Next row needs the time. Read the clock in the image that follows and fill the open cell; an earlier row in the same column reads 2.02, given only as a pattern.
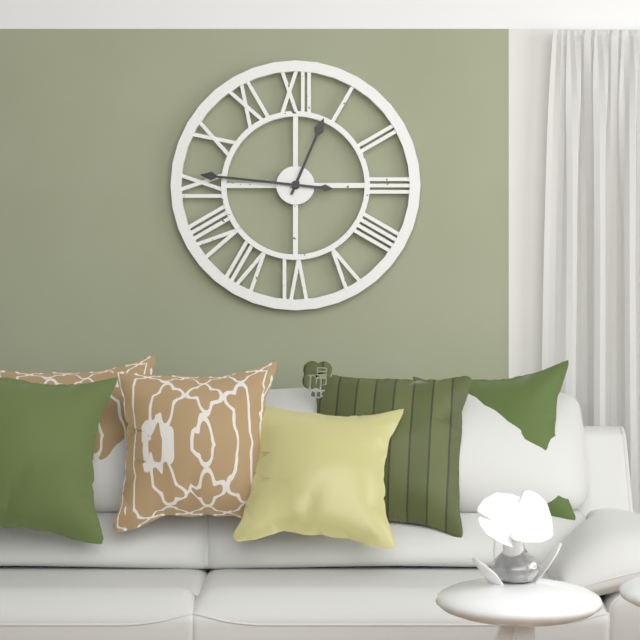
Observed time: 12.46
